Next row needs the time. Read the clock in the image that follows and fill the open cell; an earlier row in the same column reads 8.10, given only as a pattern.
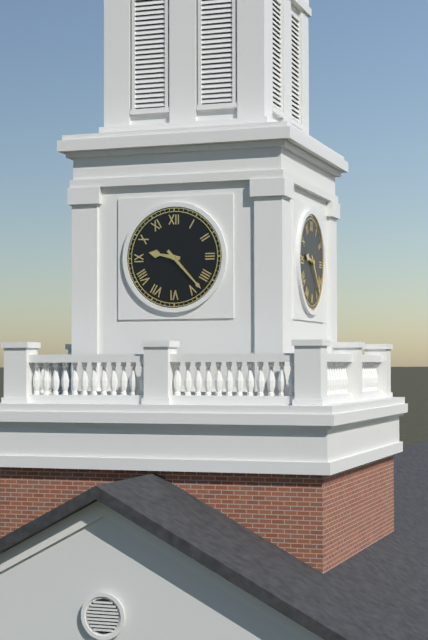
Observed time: 9.23
